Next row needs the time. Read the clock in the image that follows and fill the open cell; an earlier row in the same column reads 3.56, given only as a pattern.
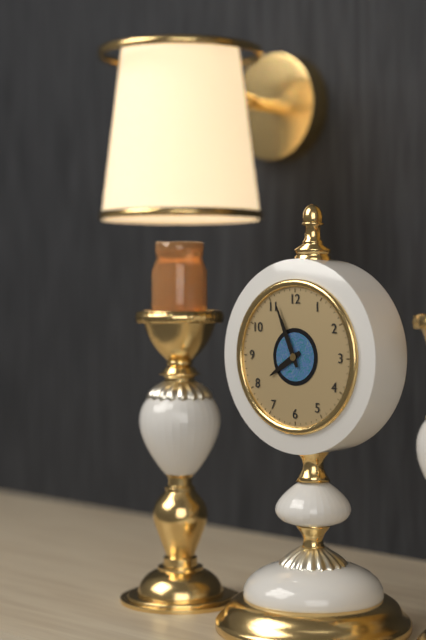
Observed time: 7.56
